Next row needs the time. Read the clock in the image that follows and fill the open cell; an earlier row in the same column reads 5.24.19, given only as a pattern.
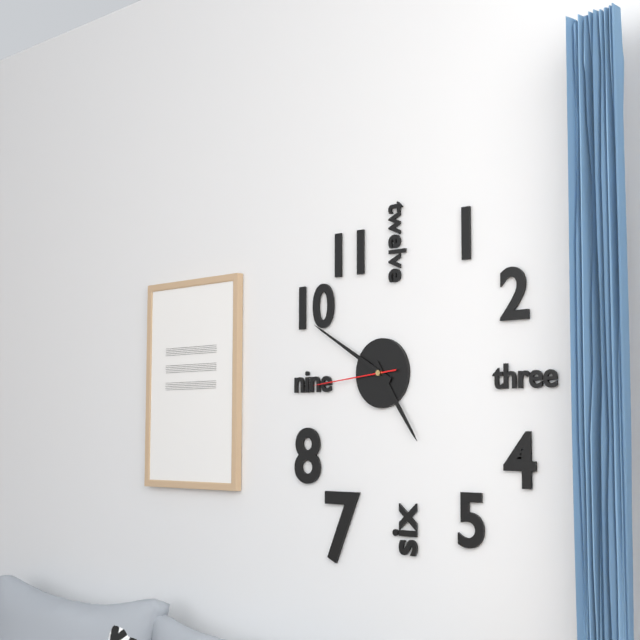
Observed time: 4.50.44
